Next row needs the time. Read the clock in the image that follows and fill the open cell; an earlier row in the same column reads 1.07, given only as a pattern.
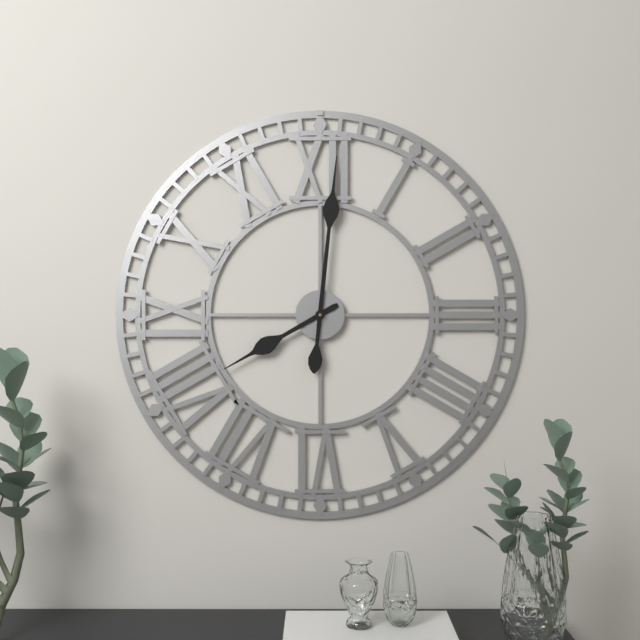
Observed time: 8.01
